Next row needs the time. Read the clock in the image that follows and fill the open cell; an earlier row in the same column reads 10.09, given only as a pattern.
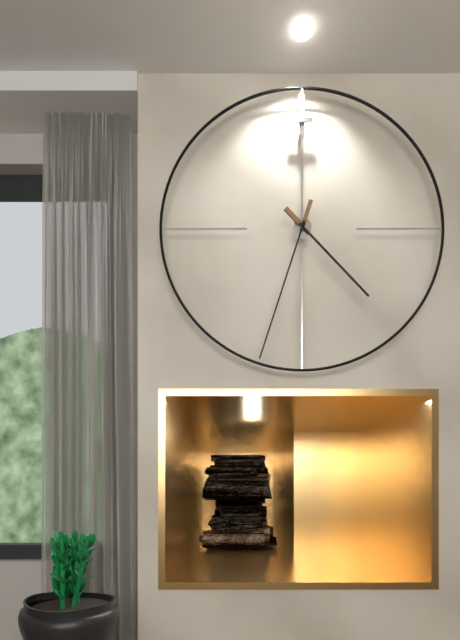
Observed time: 4.33
